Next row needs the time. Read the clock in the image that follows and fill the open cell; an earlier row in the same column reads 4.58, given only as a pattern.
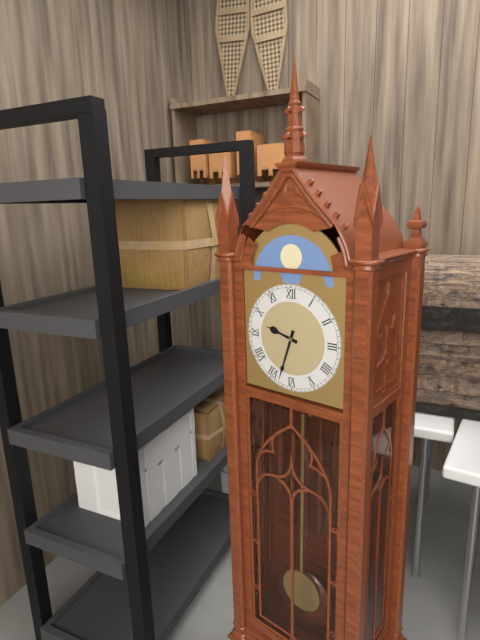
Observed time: 9.33
